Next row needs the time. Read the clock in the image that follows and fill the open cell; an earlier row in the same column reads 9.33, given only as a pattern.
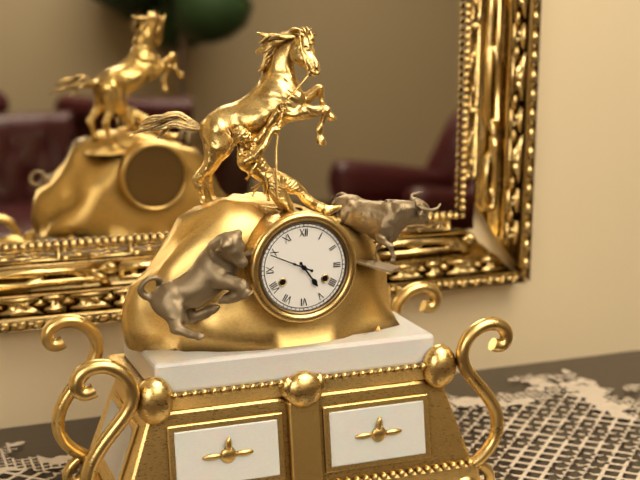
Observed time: 4.49
